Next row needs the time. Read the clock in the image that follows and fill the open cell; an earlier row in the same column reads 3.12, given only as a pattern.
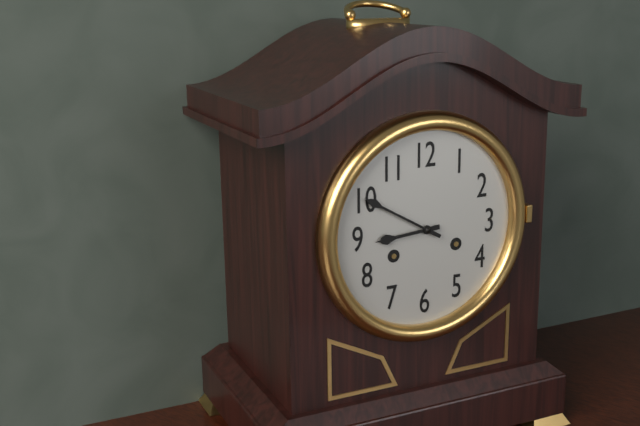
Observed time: 8.50
